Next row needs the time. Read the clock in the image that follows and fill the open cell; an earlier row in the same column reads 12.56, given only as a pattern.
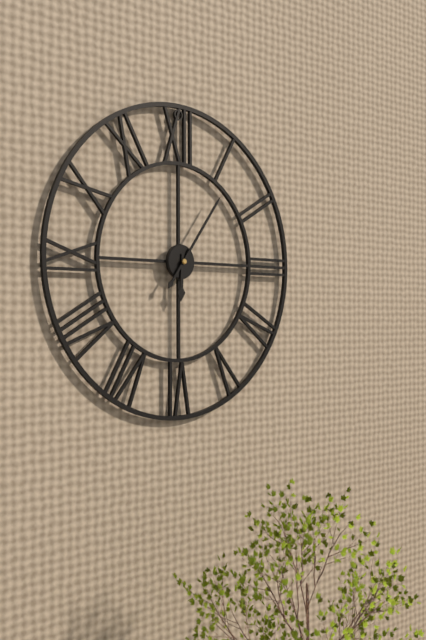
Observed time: 6.06
